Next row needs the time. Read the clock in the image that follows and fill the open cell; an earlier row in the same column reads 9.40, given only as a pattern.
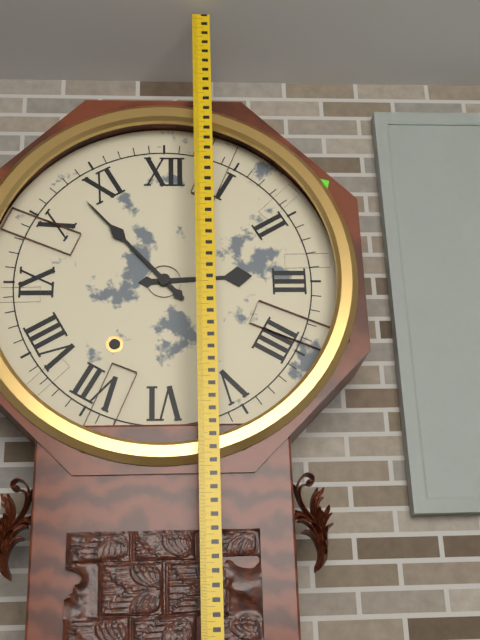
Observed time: 2.53
